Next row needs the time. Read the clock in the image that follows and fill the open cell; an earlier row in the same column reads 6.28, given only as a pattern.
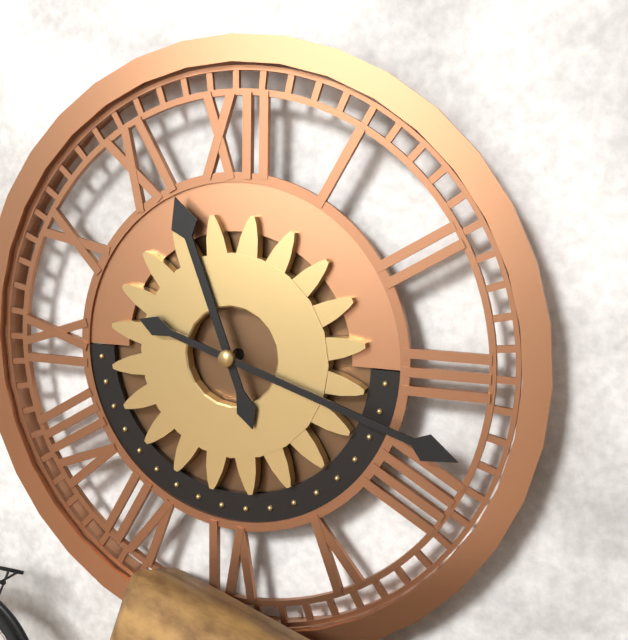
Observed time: 11.18
